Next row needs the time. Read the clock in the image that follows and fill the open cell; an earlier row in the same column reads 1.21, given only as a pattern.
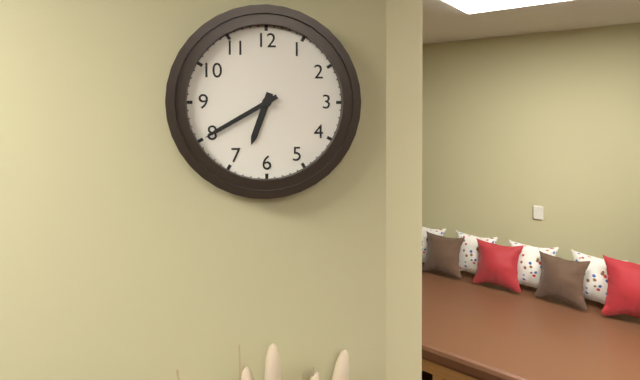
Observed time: 6.40
